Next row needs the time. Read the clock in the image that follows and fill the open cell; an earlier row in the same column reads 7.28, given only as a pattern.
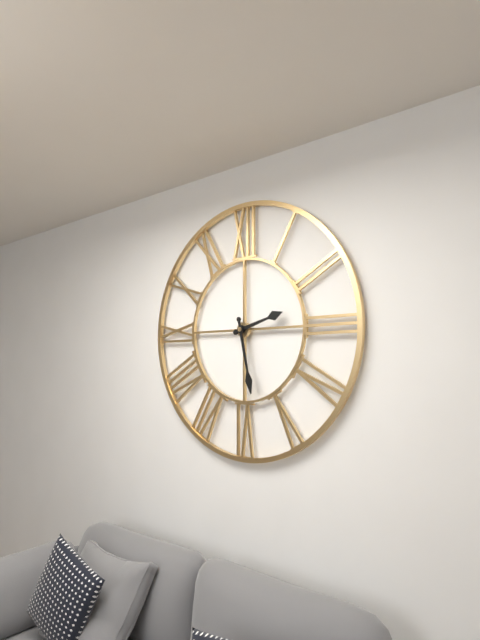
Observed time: 2.28
